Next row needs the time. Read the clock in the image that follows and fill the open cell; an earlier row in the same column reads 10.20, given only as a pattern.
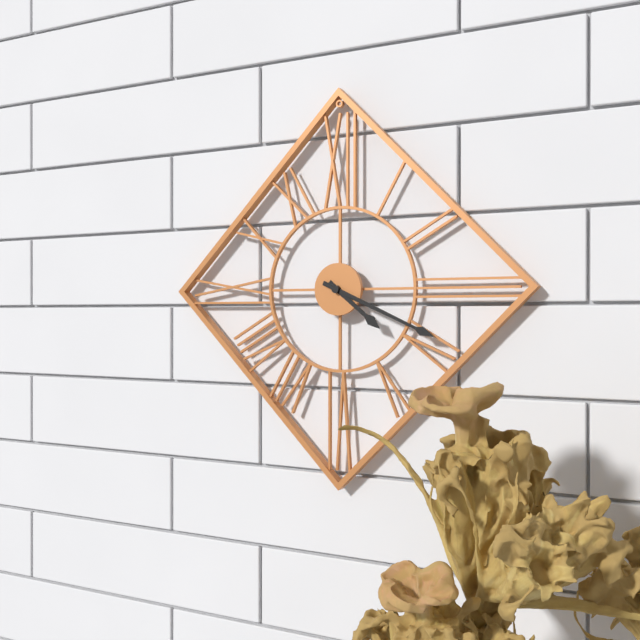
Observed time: 4.19
